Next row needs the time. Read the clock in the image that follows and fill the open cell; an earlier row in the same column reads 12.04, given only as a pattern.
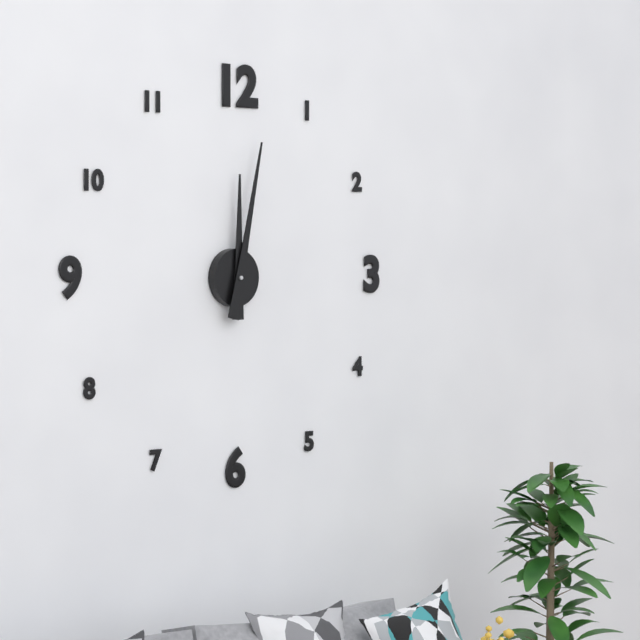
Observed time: 12.02
